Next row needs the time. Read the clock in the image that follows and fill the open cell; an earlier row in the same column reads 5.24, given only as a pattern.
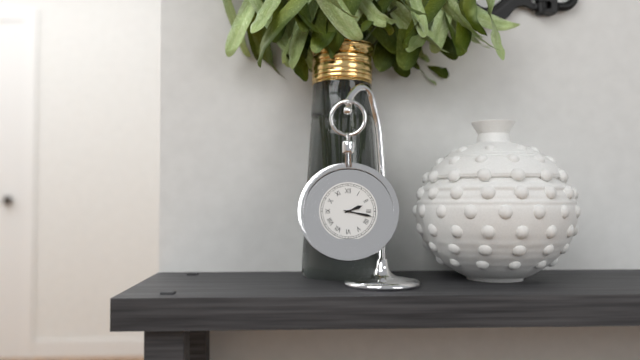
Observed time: 2.17
